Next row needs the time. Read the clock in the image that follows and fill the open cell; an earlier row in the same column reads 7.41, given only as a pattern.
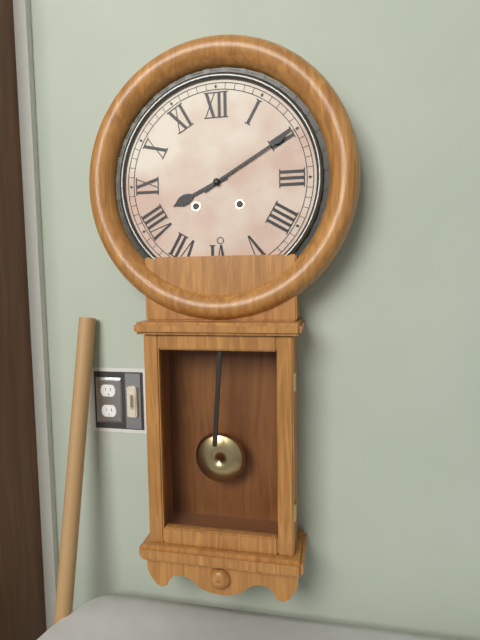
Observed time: 8.10
